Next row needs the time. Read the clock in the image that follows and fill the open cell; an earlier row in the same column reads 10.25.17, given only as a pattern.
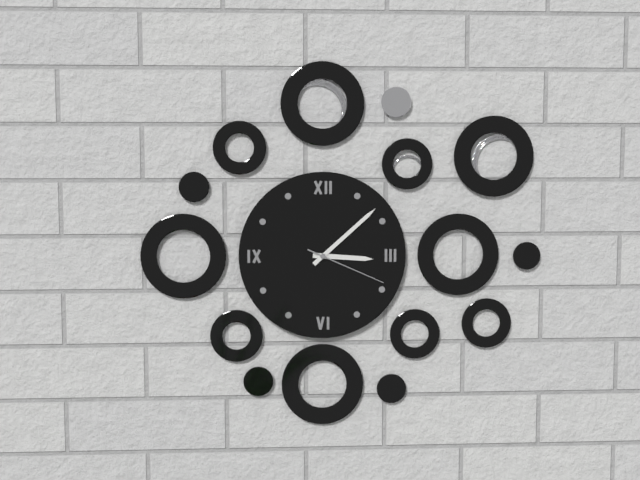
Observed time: 3.08.19
